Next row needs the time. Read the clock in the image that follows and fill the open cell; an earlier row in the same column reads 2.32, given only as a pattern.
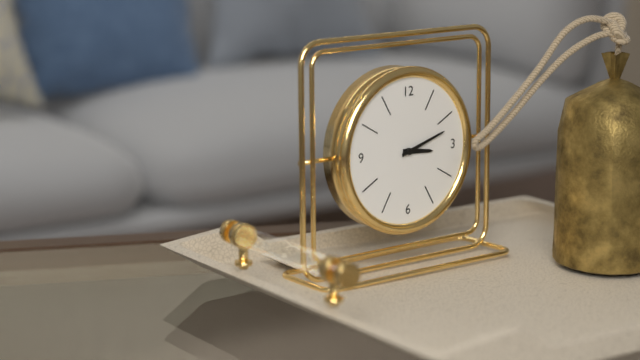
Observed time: 3.12
